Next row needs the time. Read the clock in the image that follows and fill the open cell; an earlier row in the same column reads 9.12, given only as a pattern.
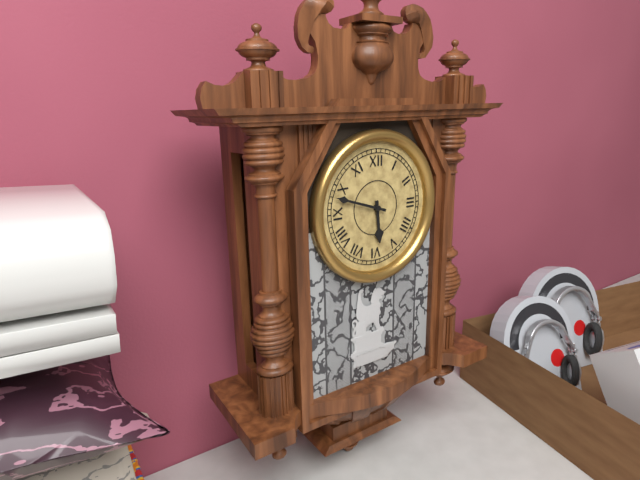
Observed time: 5.48
